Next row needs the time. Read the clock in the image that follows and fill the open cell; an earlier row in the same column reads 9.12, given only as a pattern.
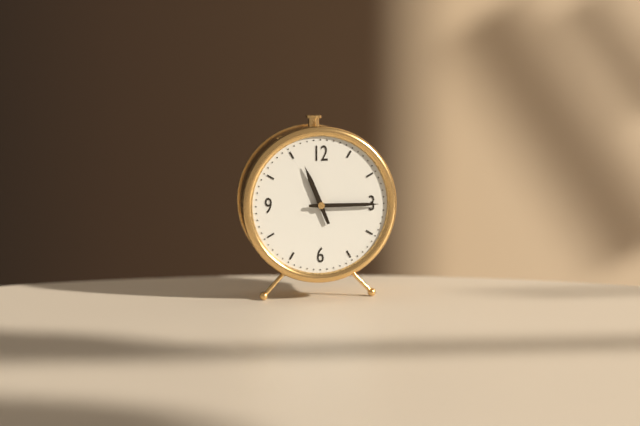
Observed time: 11.15
